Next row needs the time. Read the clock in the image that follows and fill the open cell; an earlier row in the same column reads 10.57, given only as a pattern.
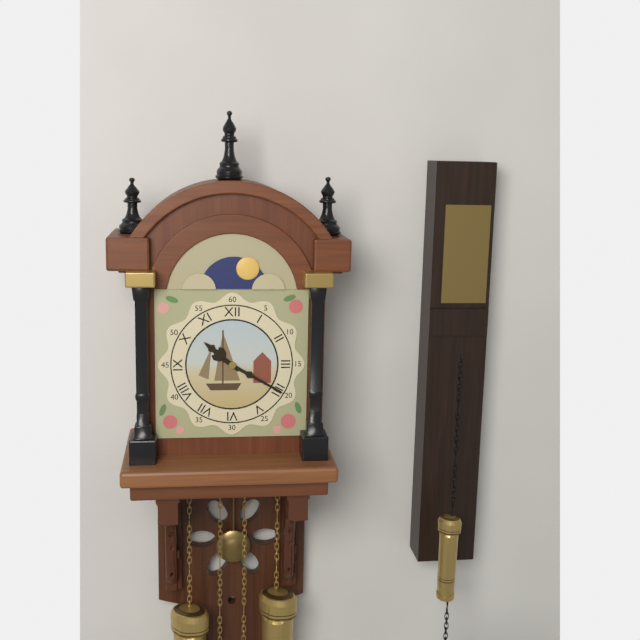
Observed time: 10.20
